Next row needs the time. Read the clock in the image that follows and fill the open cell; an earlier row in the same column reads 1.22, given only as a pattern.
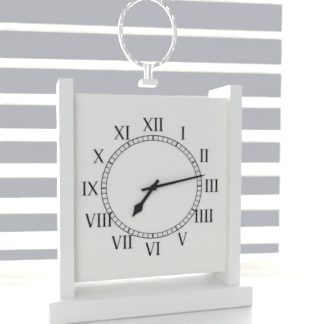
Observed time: 7.13
